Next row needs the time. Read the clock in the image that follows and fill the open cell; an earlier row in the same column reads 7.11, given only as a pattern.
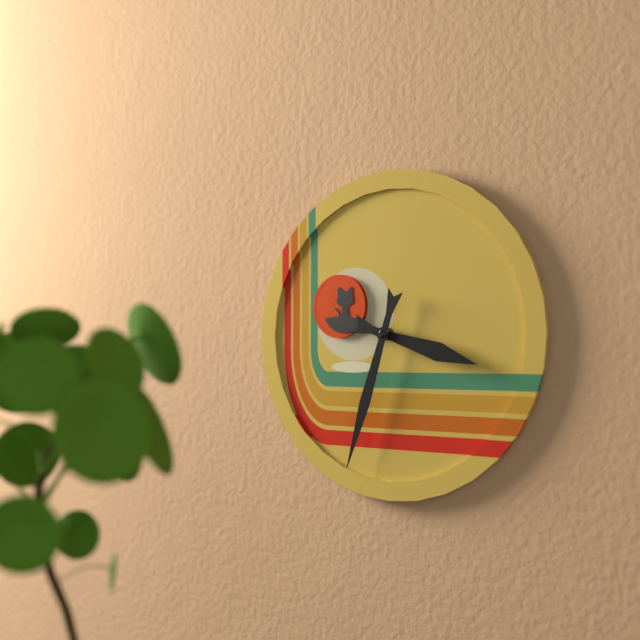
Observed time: 3.33
